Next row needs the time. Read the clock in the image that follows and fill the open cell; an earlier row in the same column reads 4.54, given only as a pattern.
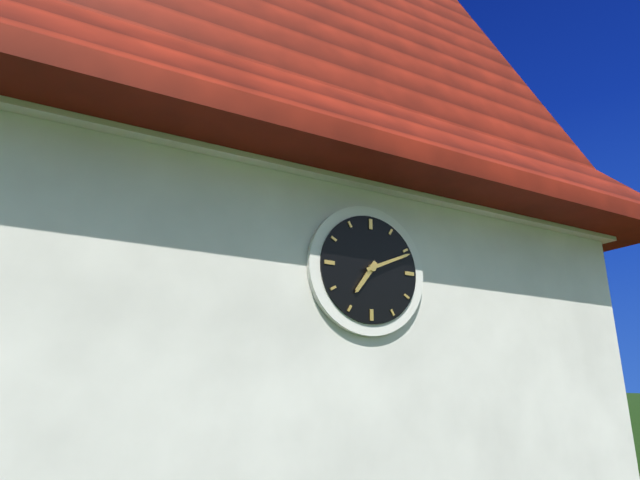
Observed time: 7.11
